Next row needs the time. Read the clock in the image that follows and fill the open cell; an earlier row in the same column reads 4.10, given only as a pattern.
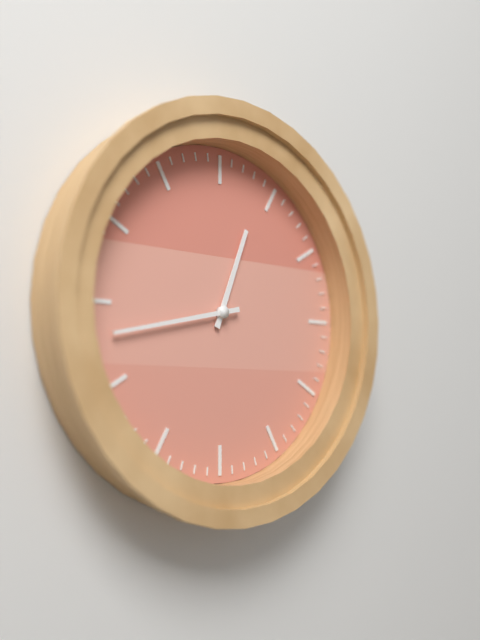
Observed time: 12.43
